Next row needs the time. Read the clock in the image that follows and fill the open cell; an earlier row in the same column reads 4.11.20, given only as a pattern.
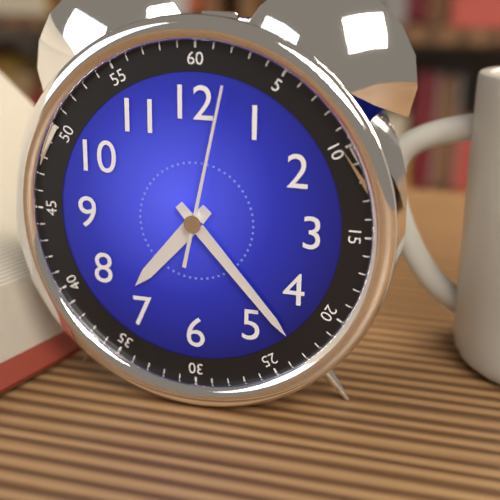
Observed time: 7.23.02
